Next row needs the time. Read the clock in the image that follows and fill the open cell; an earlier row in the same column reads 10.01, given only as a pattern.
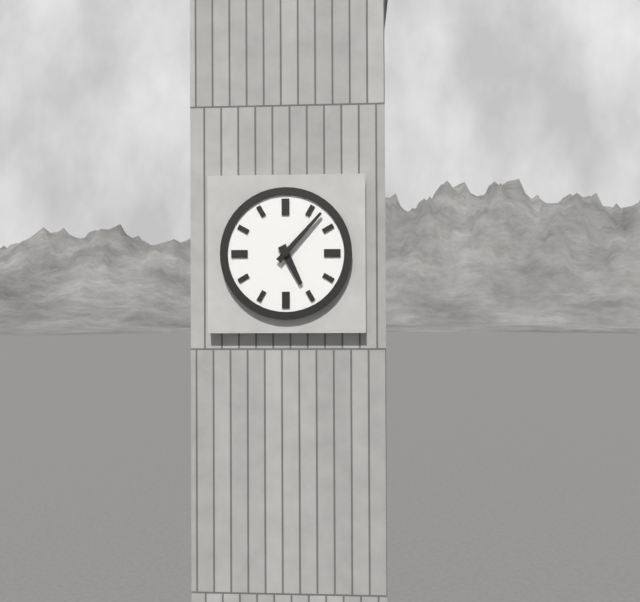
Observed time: 5.07
